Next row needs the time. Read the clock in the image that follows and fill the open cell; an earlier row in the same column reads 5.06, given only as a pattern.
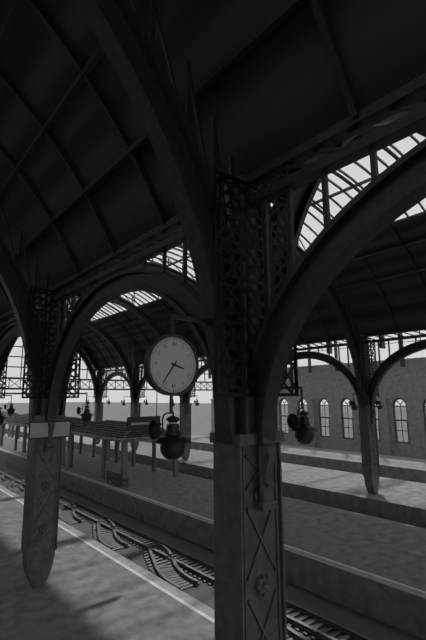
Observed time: 3.36
